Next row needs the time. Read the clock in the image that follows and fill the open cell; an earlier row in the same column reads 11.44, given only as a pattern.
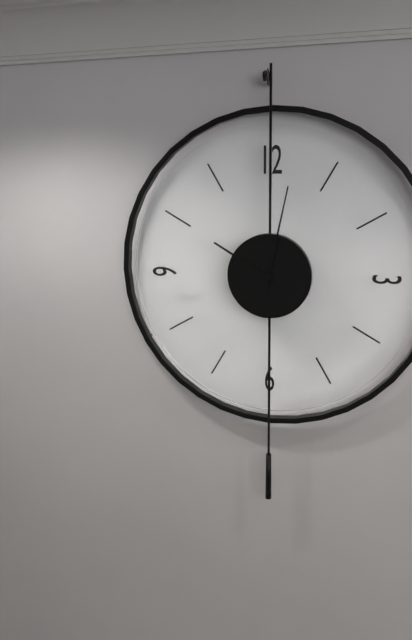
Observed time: 10.02
